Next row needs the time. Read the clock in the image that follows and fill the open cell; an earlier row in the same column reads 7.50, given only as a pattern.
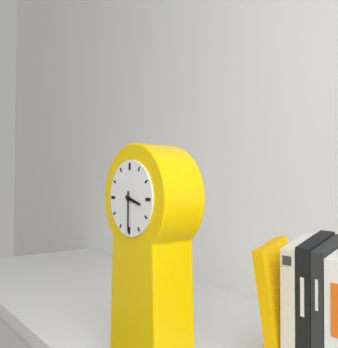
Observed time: 3.30
